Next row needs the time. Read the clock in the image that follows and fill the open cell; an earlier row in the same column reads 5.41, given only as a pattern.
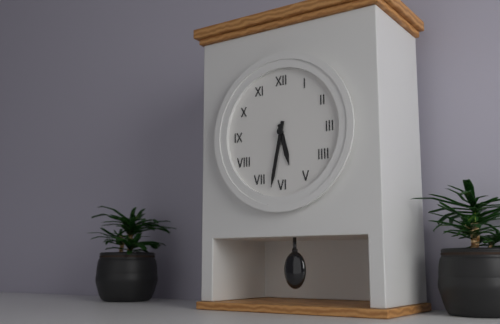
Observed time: 5.32
